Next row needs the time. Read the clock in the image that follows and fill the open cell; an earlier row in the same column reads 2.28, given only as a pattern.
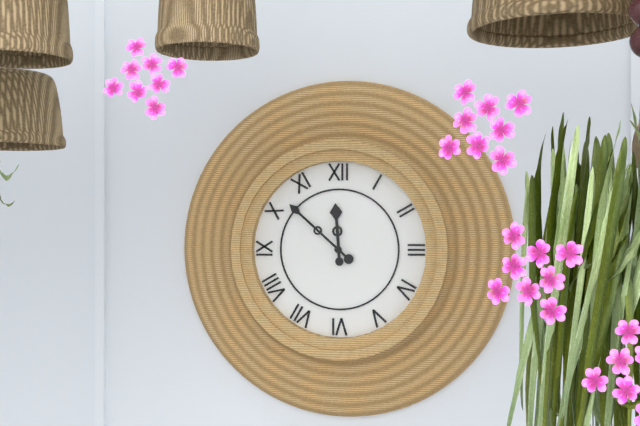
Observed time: 11.52
